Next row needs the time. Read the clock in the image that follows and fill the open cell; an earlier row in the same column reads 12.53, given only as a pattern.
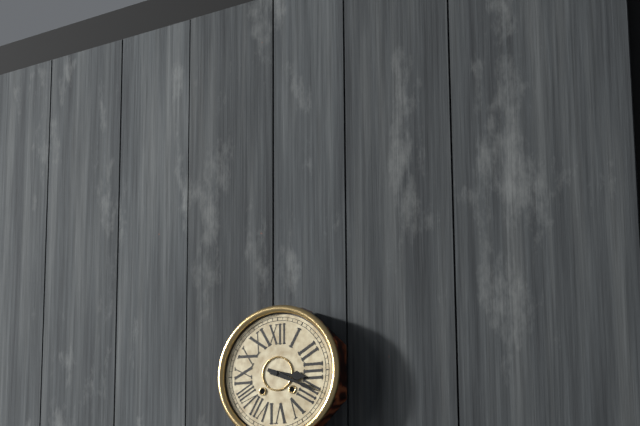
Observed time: 3.19
